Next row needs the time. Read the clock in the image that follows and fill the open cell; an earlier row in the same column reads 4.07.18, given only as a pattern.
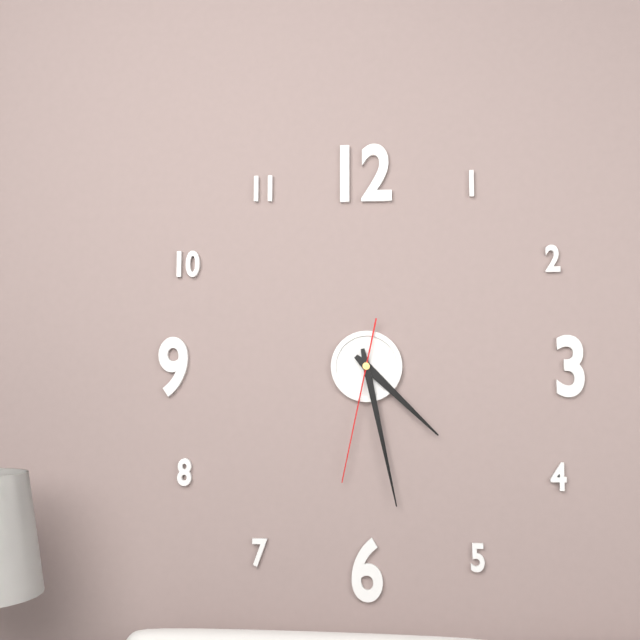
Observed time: 4.28.32
